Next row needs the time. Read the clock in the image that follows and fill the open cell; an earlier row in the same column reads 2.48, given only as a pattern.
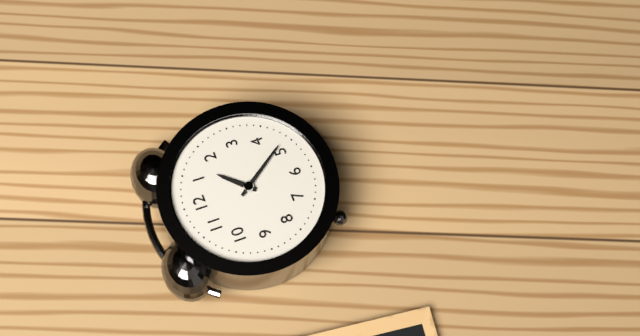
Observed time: 1.24
